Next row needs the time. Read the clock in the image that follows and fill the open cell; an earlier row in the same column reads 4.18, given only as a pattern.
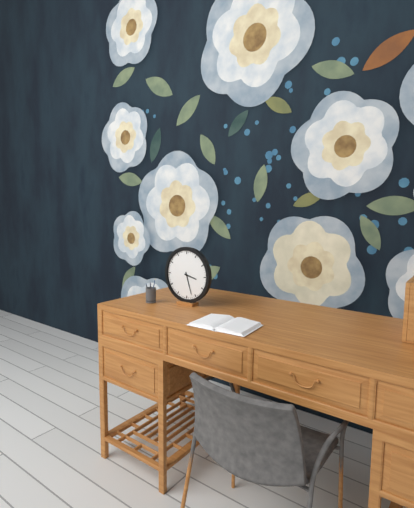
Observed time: 3.27
